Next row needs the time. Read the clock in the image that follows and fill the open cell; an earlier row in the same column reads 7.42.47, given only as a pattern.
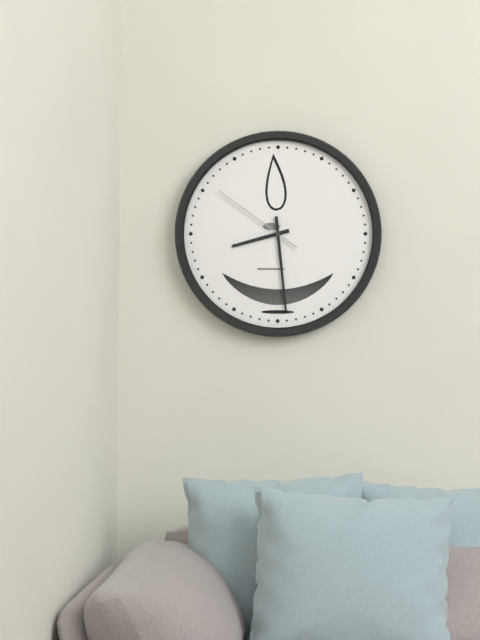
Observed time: 8.29.51
